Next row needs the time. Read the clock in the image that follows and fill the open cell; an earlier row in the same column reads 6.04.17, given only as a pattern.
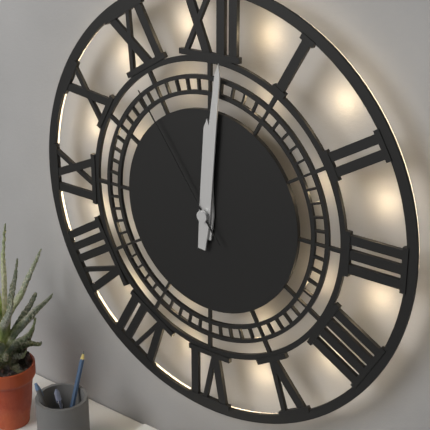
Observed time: 12.01.54
